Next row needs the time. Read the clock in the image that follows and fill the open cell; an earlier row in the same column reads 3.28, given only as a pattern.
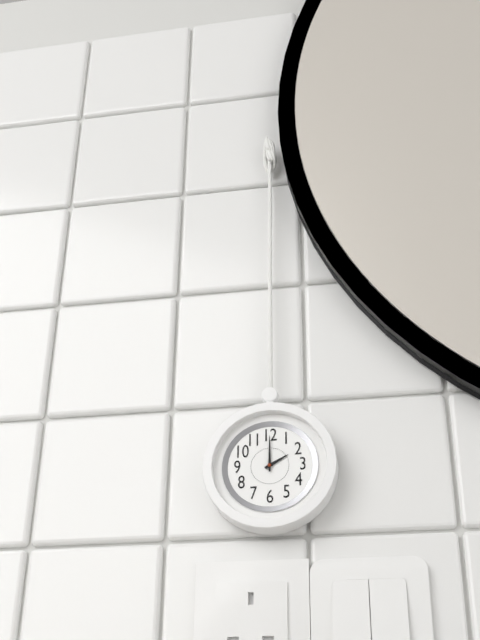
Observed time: 2.00
